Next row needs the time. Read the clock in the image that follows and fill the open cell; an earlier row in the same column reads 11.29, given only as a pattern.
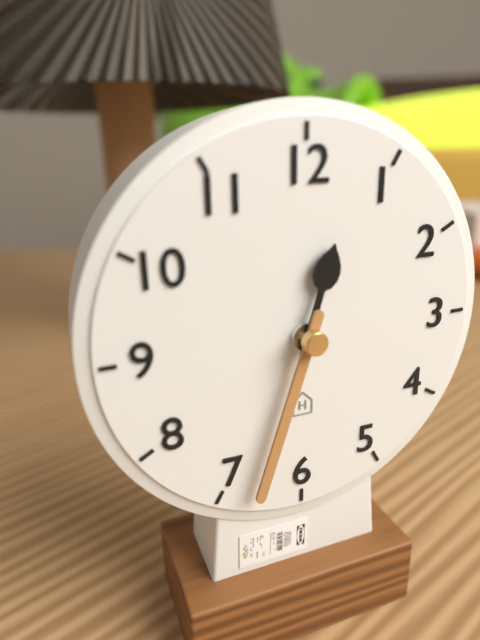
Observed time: 12.33
